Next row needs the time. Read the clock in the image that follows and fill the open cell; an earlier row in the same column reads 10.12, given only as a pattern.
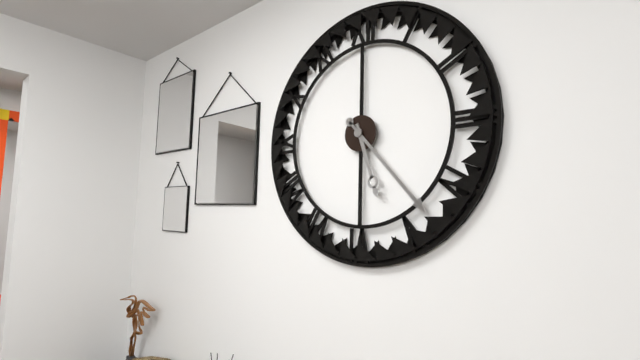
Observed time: 5.23
